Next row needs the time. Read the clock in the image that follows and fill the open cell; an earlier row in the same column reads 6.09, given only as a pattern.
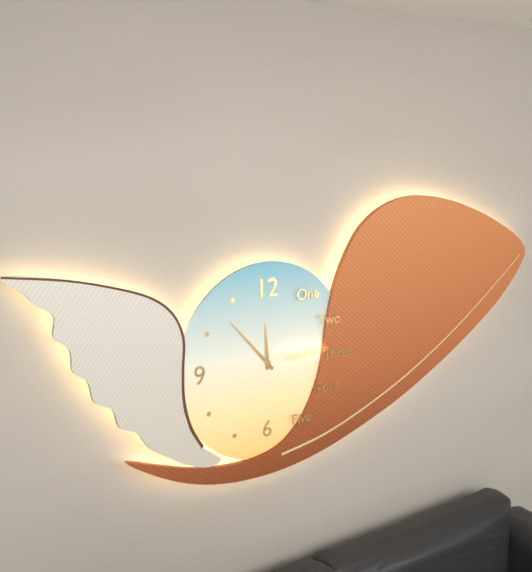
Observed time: 11.53
